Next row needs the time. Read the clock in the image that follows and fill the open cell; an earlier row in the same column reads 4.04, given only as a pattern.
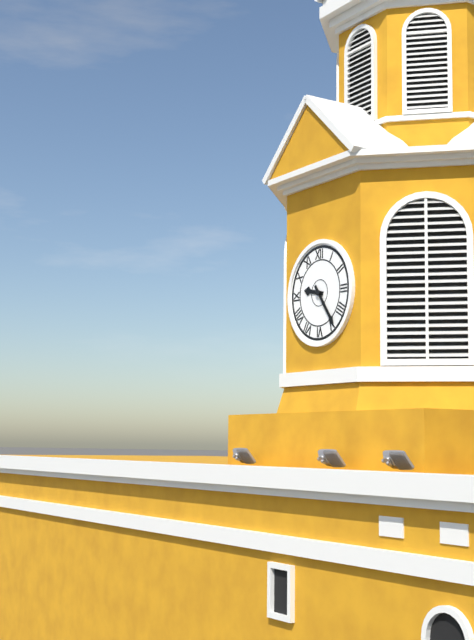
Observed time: 9.24
